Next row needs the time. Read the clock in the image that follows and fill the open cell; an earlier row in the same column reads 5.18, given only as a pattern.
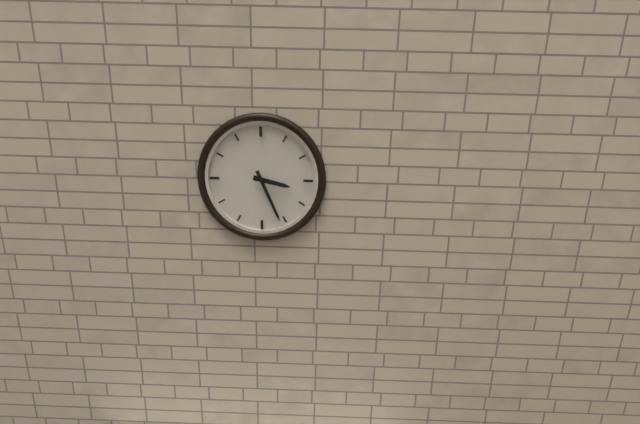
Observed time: 3.26
